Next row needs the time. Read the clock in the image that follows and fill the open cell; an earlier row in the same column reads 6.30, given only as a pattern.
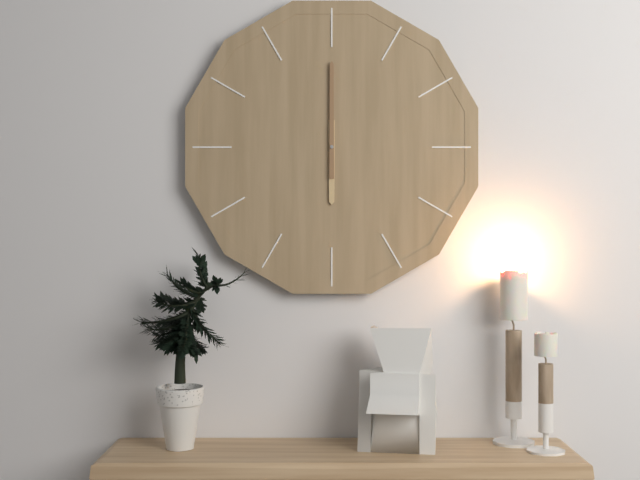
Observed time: 6.00
